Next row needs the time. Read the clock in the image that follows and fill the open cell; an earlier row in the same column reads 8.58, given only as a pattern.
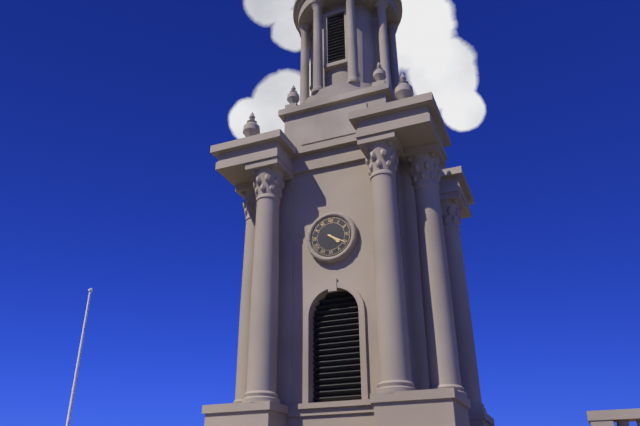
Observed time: 4.20
